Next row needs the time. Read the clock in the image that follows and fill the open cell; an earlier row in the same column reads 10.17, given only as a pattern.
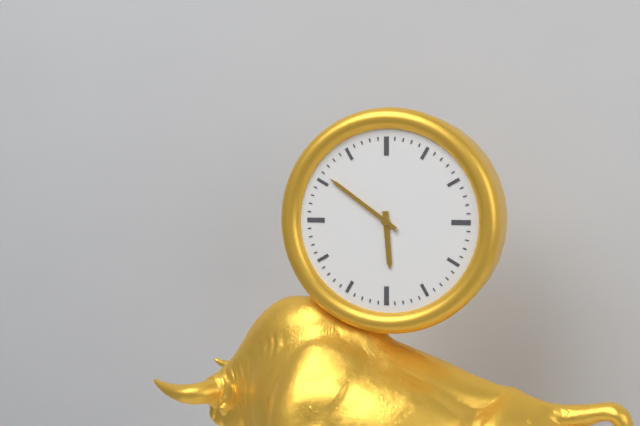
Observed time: 5.51
